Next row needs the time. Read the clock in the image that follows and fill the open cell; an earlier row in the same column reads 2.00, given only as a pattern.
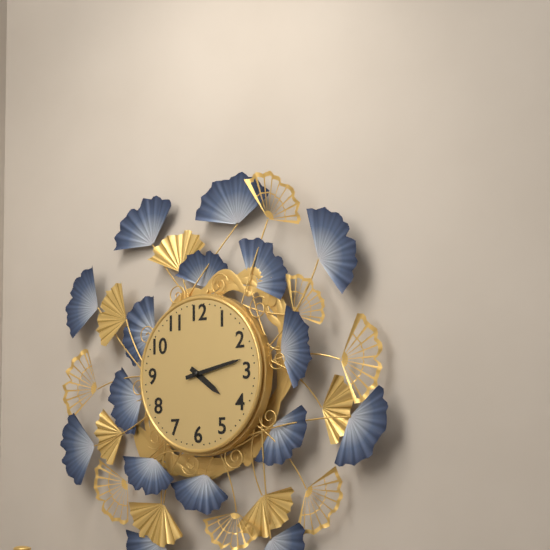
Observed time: 4.13
